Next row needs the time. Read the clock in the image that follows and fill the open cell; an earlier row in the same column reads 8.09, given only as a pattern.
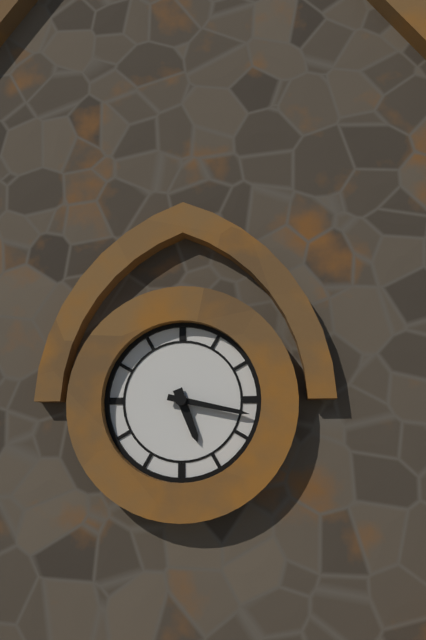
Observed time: 5.17
